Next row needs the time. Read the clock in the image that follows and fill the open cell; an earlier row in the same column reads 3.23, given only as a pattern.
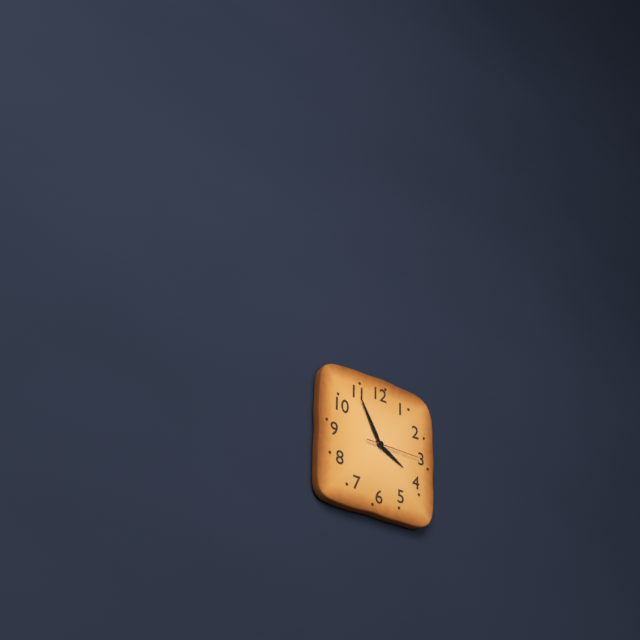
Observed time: 3.55
